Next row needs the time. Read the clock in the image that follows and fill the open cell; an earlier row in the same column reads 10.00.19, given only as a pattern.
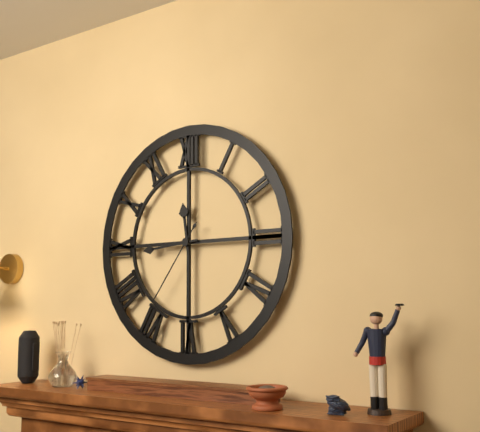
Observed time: 11.44.36
